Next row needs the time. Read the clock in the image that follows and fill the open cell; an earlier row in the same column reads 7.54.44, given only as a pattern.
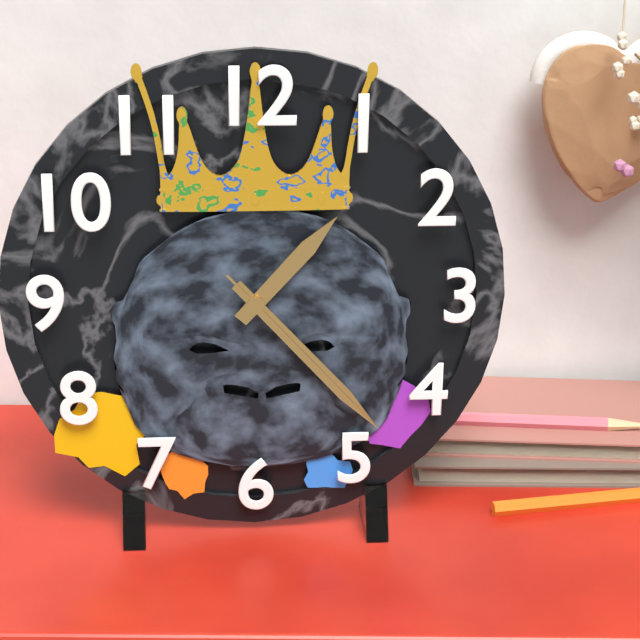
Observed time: 1.23.23
